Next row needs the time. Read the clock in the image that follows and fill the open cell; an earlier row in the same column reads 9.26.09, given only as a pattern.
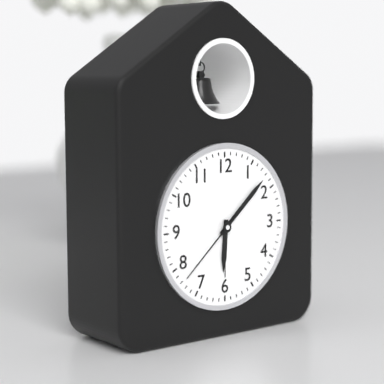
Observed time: 6.08.38
